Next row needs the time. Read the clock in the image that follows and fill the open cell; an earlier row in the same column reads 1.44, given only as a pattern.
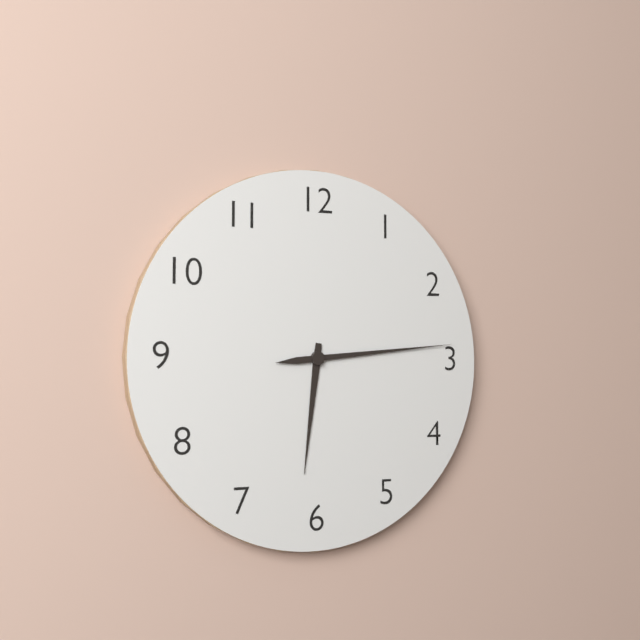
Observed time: 6.14
